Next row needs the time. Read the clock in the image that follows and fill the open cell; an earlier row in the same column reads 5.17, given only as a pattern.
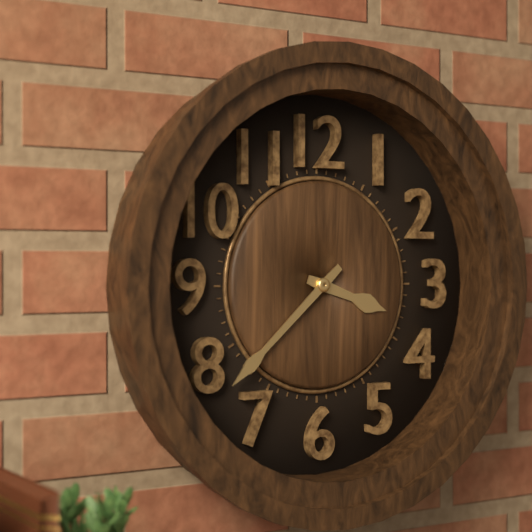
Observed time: 3.38
